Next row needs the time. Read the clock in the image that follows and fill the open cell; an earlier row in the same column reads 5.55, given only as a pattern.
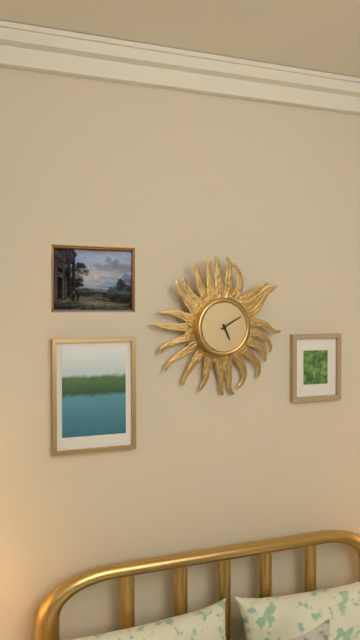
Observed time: 5.10
